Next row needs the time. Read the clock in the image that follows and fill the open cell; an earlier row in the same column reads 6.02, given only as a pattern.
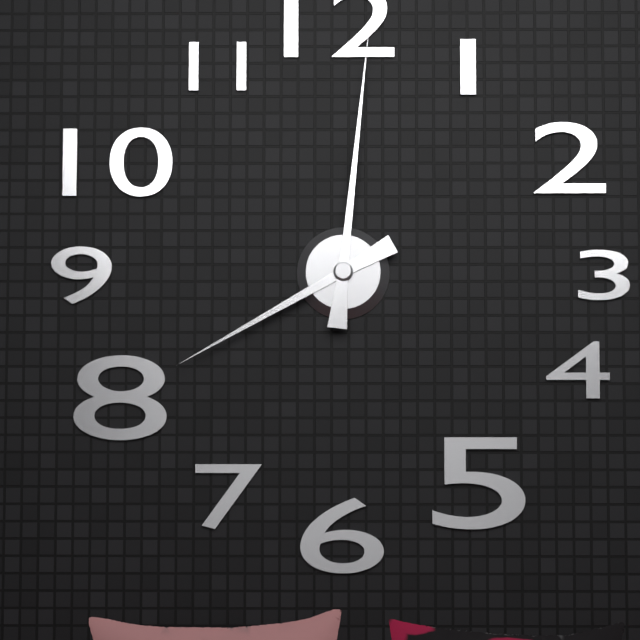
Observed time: 8.01
